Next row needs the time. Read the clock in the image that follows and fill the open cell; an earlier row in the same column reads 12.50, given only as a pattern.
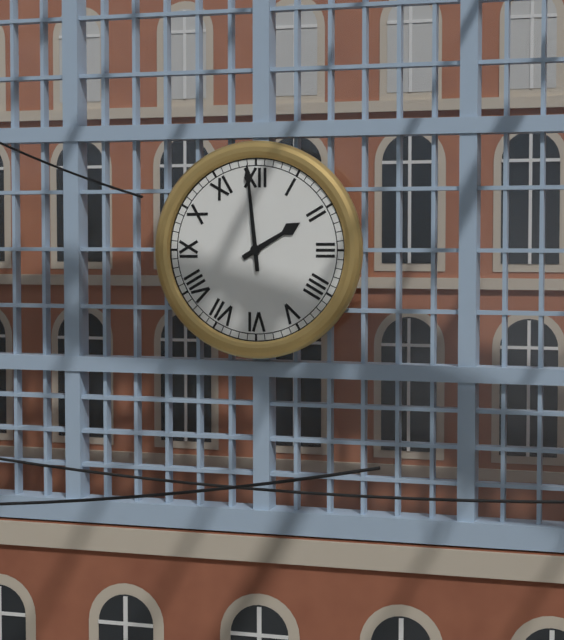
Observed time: 1.59
